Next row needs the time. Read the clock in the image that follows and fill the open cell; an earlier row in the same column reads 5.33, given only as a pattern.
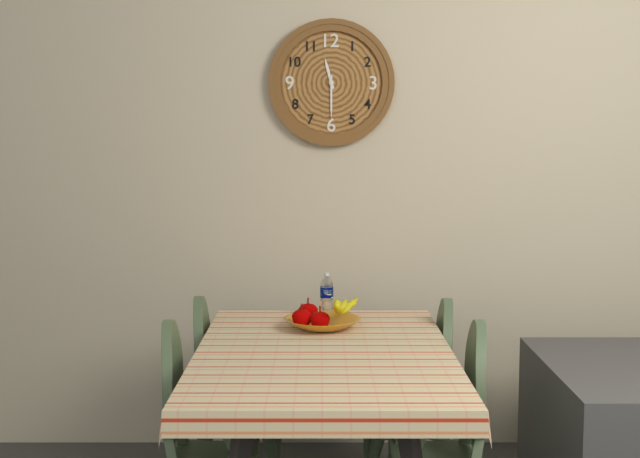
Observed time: 11.30
